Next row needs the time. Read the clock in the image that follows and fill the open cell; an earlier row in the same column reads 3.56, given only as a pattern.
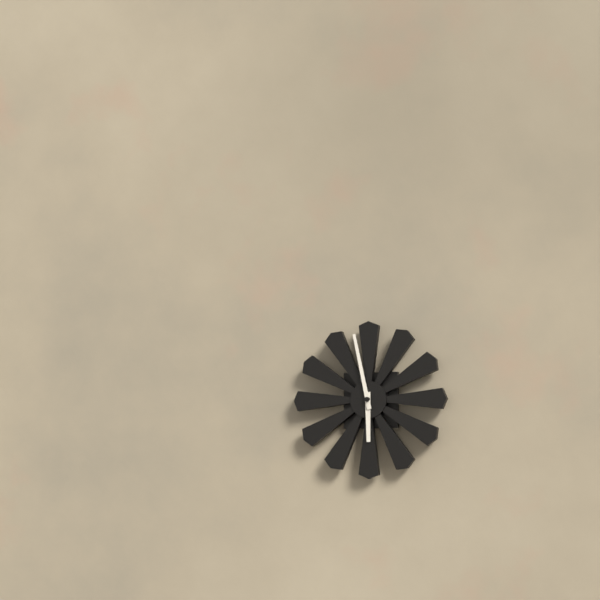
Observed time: 5.58
